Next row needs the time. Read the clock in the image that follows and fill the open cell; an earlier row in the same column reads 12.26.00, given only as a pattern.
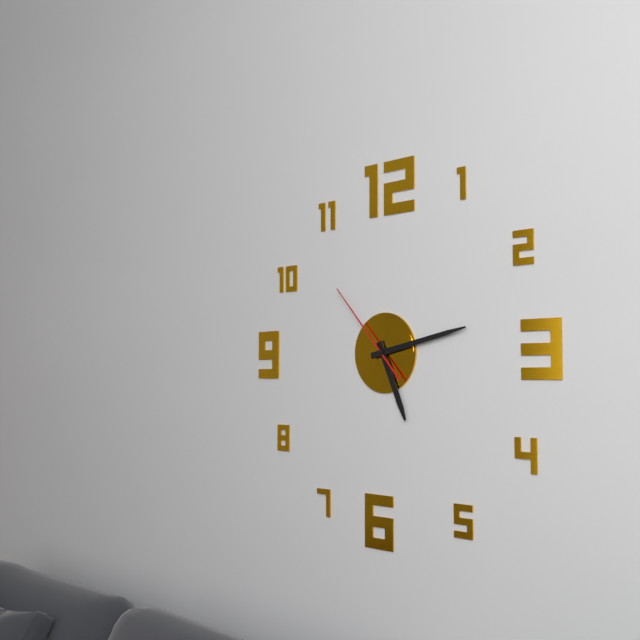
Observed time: 5.13.53
